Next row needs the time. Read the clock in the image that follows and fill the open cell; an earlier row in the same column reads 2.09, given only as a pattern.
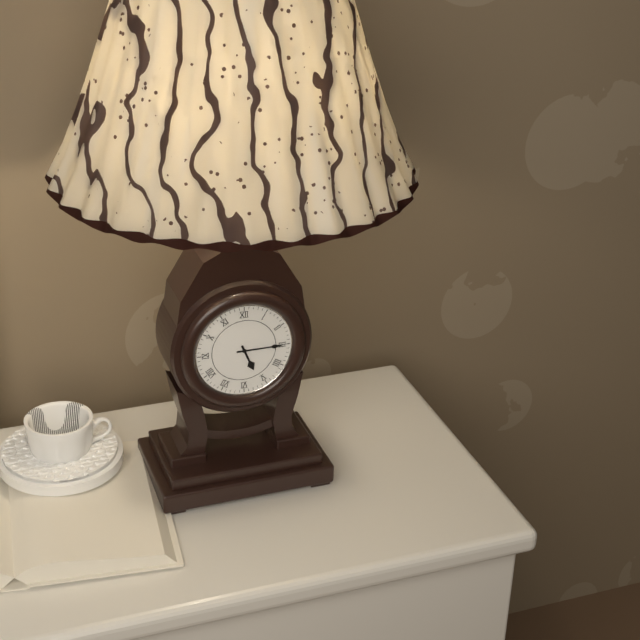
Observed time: 5.15
